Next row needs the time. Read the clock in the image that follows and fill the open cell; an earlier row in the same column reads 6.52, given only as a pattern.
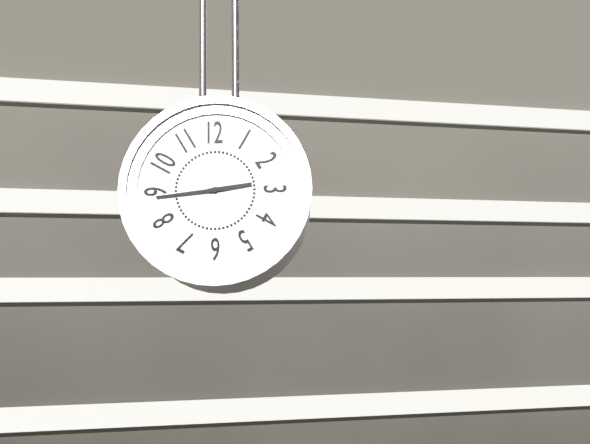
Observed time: 2.44
